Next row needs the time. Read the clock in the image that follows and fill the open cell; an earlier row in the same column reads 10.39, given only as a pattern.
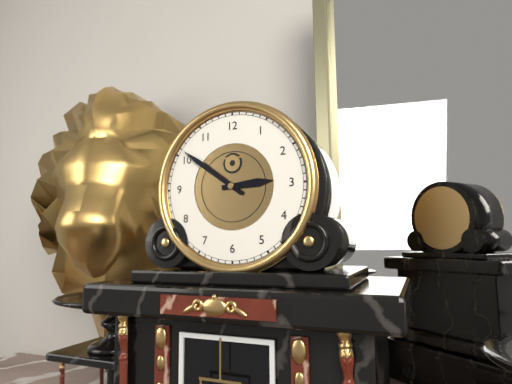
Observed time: 2.51
